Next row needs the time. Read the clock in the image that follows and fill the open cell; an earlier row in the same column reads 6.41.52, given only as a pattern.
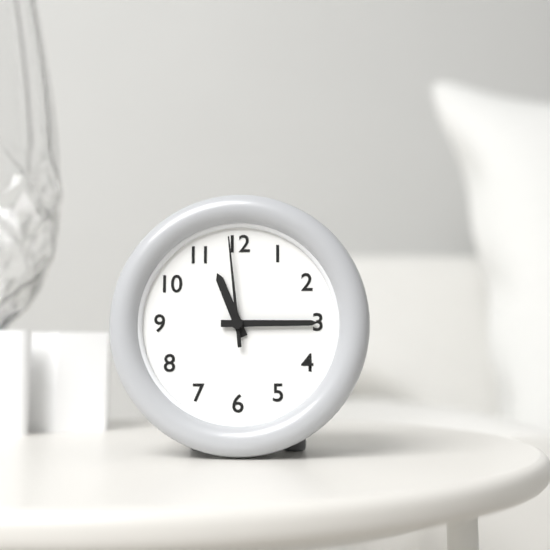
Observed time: 11.15.59
